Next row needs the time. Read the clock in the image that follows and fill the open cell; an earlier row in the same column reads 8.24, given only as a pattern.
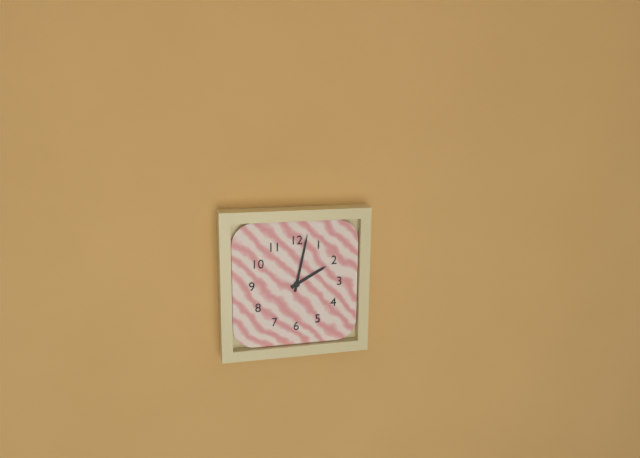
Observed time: 2.02
